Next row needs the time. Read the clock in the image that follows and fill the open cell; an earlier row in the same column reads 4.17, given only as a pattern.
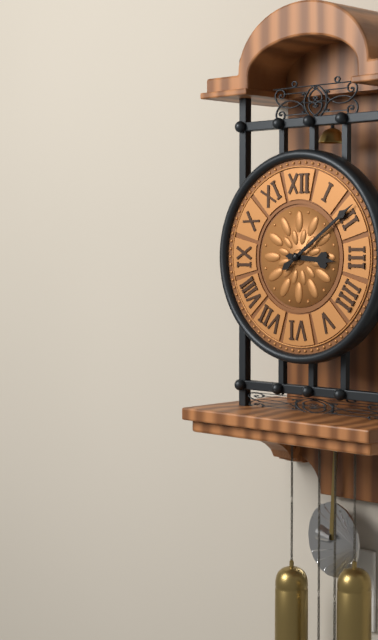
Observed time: 3.09
